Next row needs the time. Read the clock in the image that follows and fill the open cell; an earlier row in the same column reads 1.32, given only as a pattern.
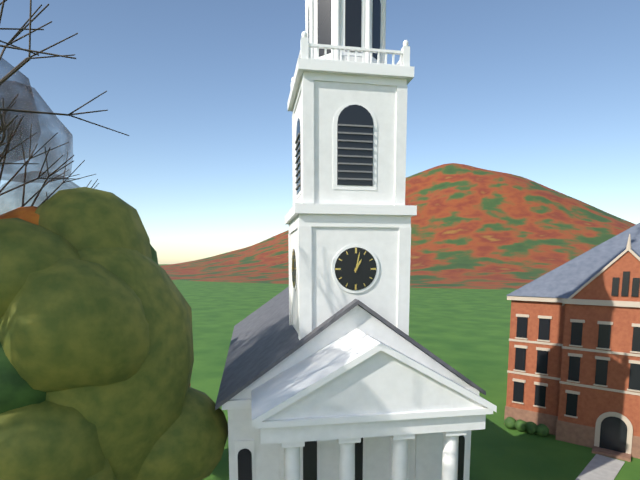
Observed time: 1.02
